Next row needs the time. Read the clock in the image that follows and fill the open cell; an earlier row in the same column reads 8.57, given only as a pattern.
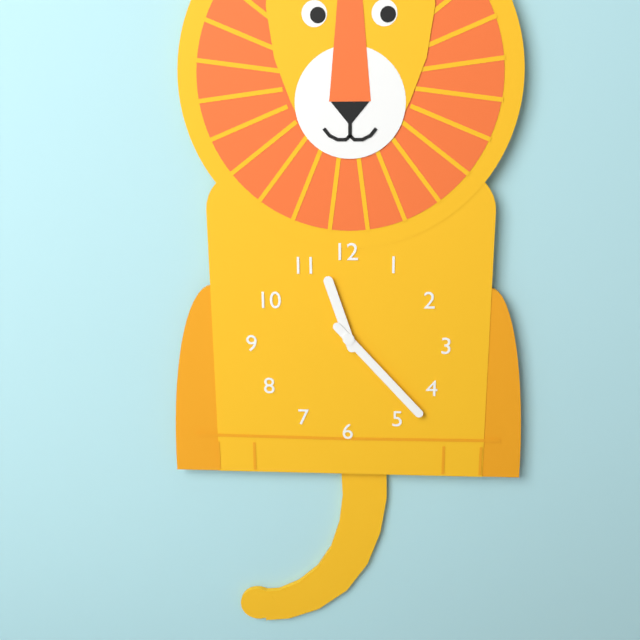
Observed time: 11.23
